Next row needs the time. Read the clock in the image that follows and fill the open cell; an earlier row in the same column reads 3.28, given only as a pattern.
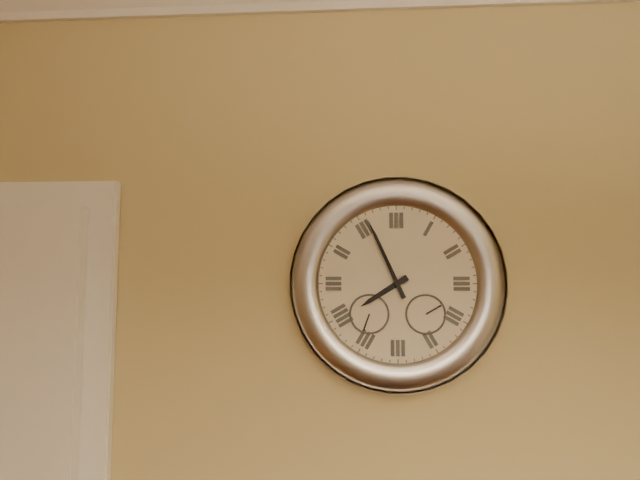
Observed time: 7.56
